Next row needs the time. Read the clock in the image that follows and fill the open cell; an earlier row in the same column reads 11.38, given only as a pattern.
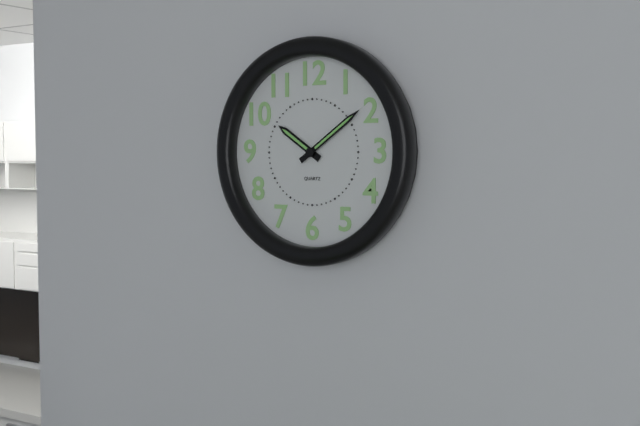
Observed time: 10.09
